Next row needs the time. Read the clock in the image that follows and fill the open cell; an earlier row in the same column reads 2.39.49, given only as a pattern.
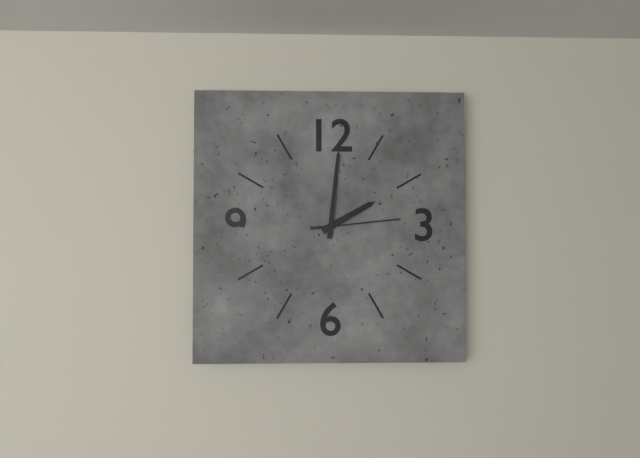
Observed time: 2.01.14
